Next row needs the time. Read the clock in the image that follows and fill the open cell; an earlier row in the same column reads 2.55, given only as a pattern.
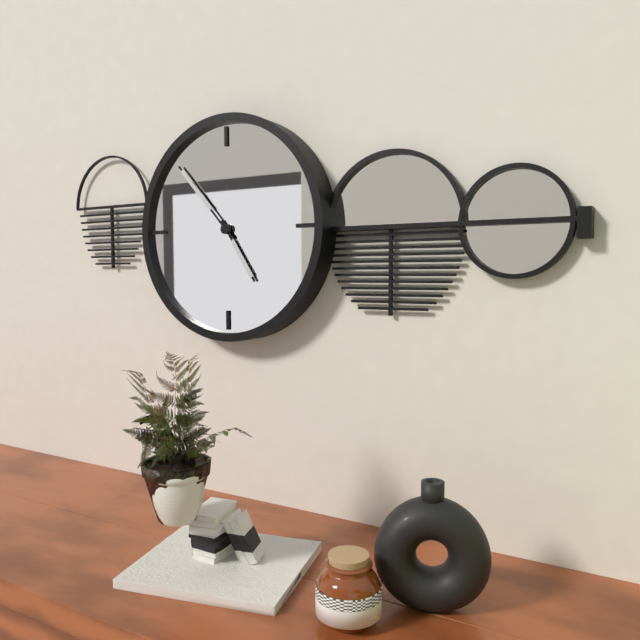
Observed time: 4.53
